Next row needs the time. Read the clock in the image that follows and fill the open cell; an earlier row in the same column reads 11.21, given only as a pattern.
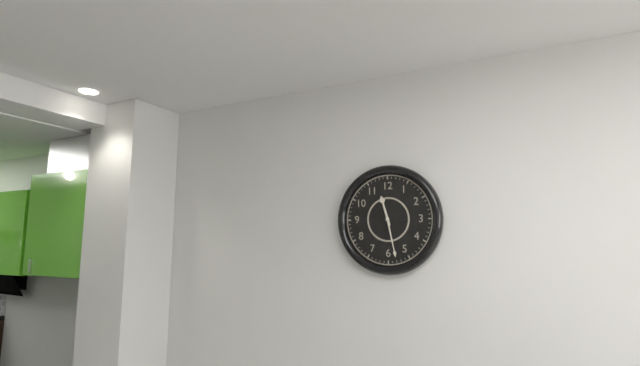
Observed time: 11.28
